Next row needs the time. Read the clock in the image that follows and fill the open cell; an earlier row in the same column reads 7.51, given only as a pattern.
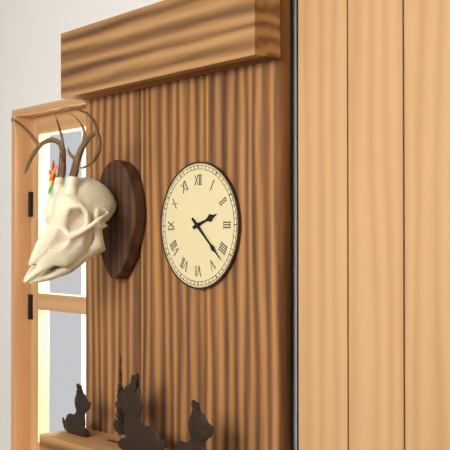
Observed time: 2.22
